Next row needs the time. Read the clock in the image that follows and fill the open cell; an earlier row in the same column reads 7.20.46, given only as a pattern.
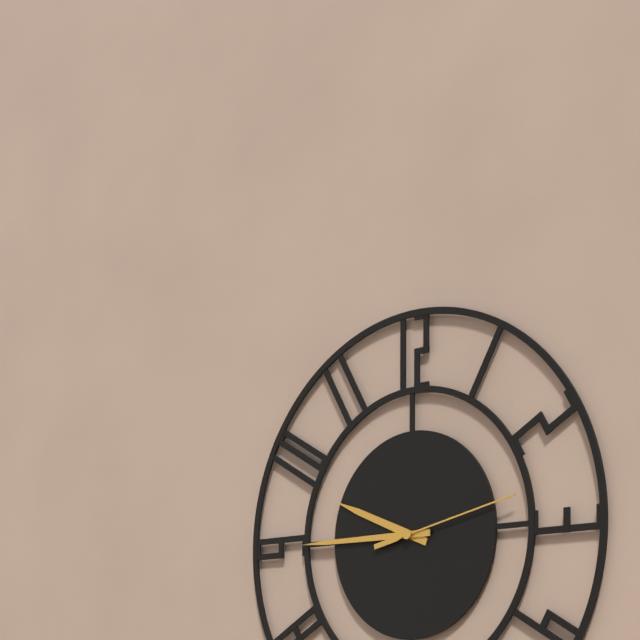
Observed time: 9.45.13
